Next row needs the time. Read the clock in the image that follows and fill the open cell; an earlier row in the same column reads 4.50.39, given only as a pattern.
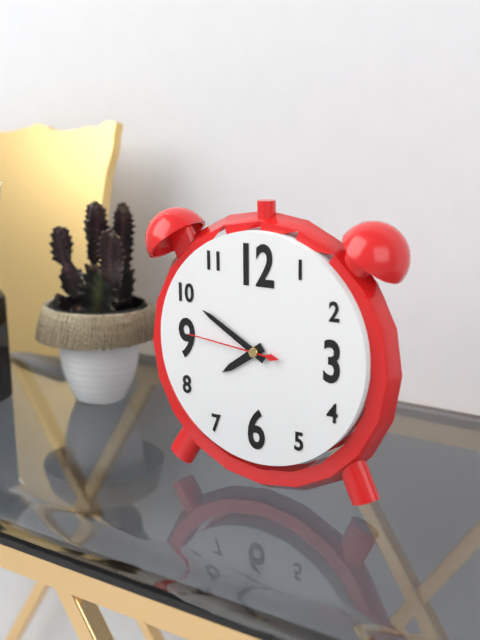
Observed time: 7.50.46
